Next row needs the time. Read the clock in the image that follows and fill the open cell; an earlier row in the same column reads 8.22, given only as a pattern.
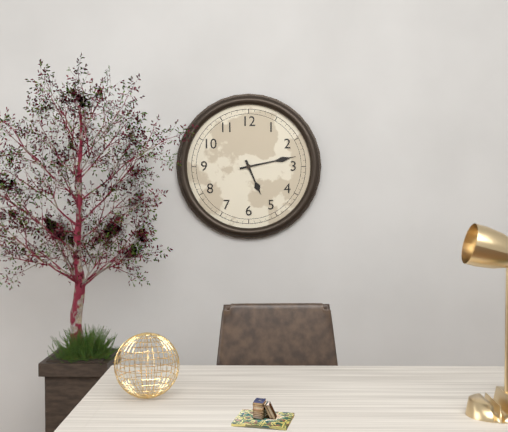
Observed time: 5.13
